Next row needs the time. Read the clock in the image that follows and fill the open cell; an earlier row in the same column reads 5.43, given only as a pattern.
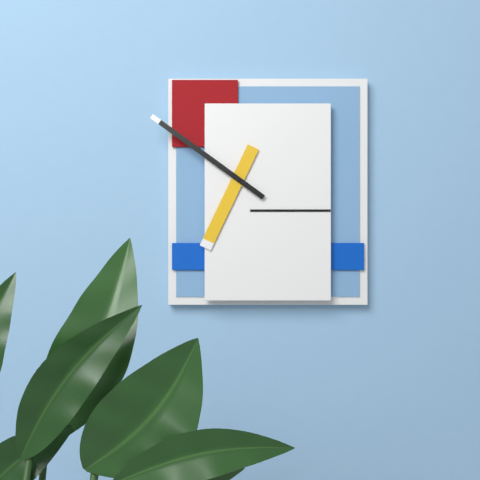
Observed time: 6.51
